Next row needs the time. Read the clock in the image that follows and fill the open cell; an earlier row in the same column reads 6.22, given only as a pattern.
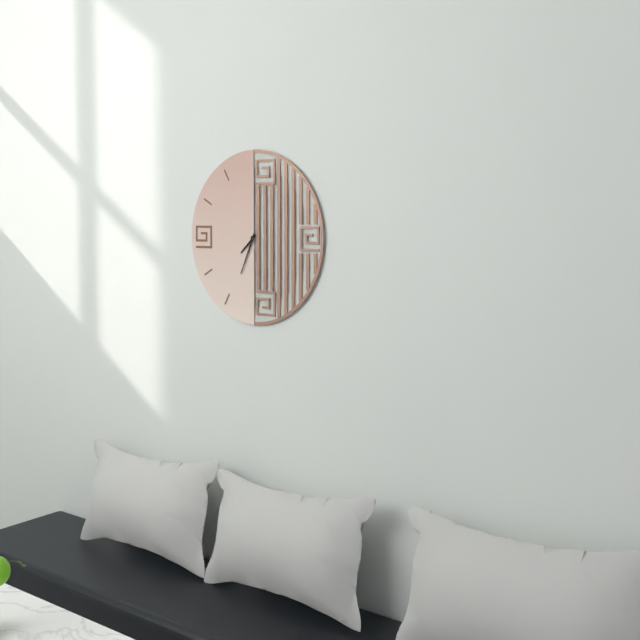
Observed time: 7.34
